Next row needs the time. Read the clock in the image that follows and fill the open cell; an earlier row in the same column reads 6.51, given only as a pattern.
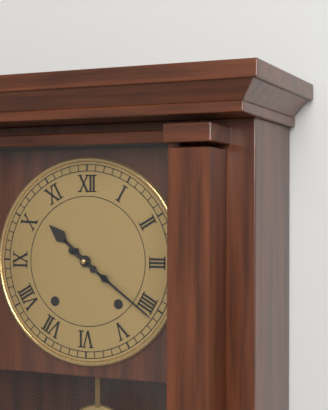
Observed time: 10.21
